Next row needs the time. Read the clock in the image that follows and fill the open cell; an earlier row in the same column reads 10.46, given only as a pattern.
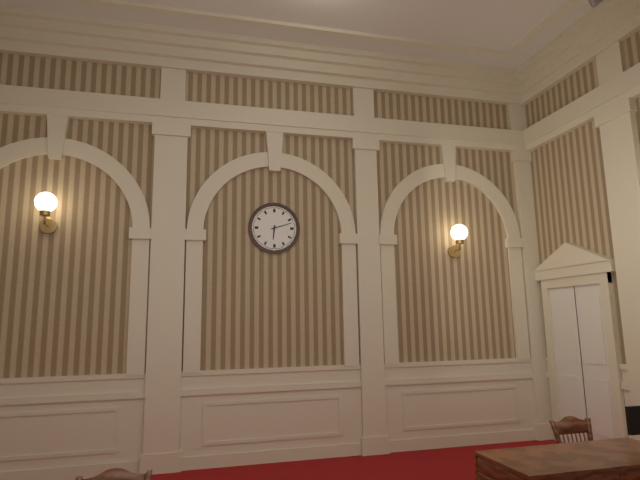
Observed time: 6.12
